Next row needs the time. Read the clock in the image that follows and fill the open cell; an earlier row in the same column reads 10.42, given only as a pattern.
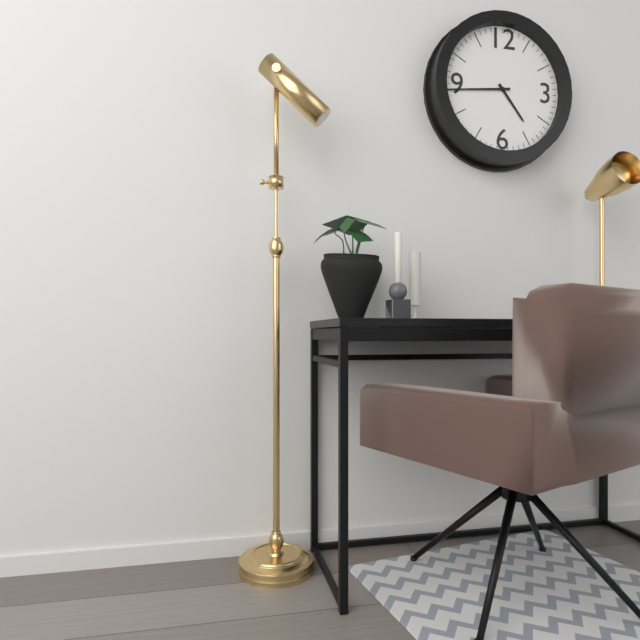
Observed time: 4.44
